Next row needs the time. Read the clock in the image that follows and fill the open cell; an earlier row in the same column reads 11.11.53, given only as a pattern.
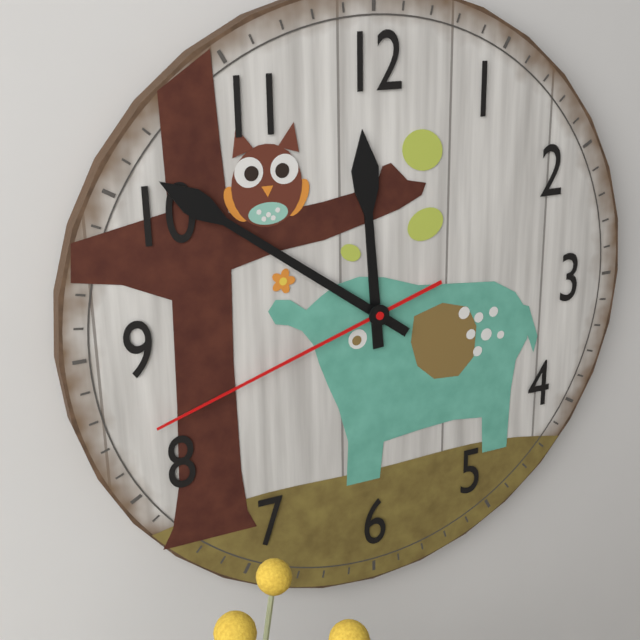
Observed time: 11.51.42
